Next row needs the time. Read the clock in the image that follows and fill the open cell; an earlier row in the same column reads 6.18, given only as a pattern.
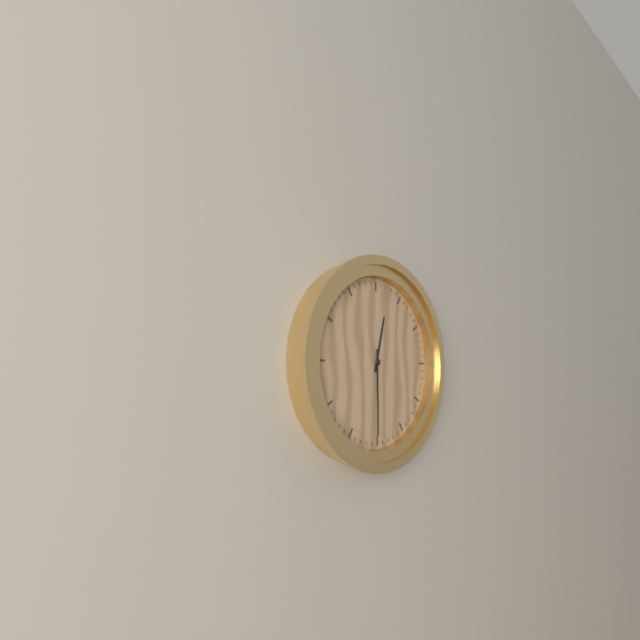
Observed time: 12.30
